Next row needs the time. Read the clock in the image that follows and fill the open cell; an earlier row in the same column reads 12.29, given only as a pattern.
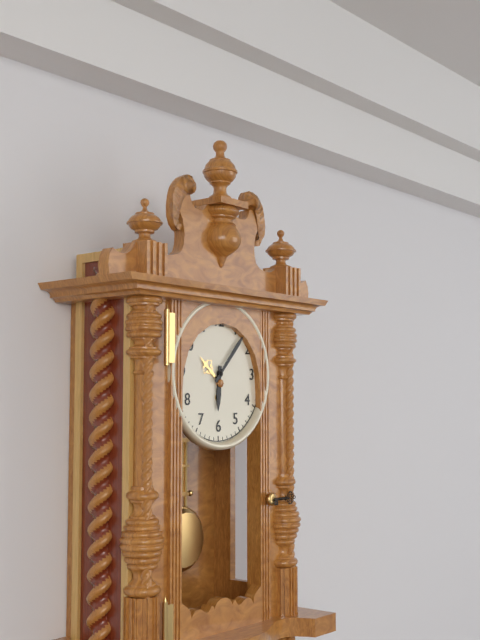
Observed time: 6.07
